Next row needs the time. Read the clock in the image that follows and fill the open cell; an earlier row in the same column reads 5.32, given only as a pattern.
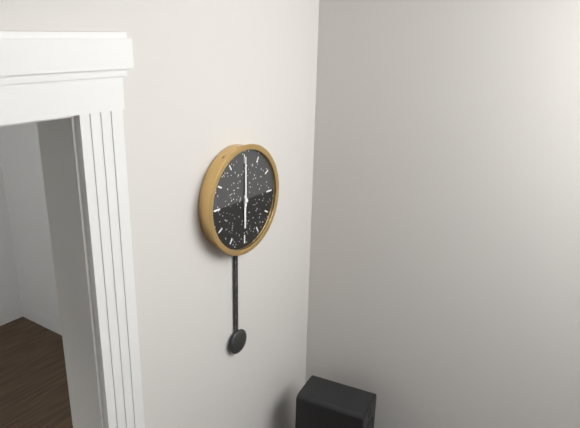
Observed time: 6.00
